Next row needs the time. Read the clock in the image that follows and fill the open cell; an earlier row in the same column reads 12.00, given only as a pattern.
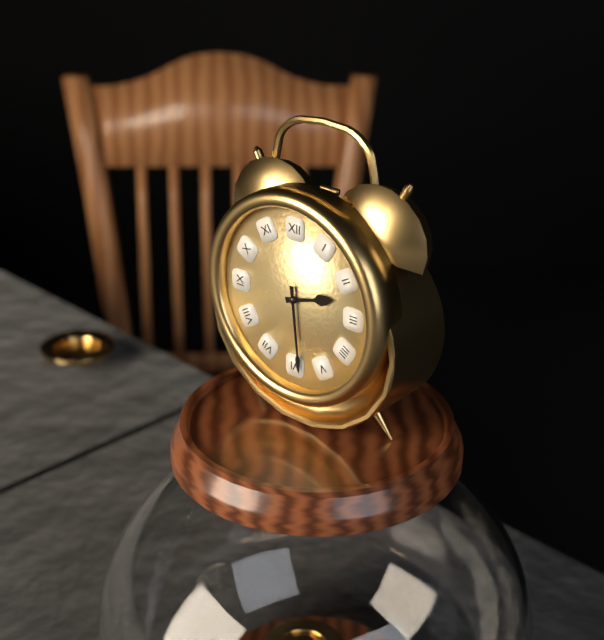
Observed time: 2.29
